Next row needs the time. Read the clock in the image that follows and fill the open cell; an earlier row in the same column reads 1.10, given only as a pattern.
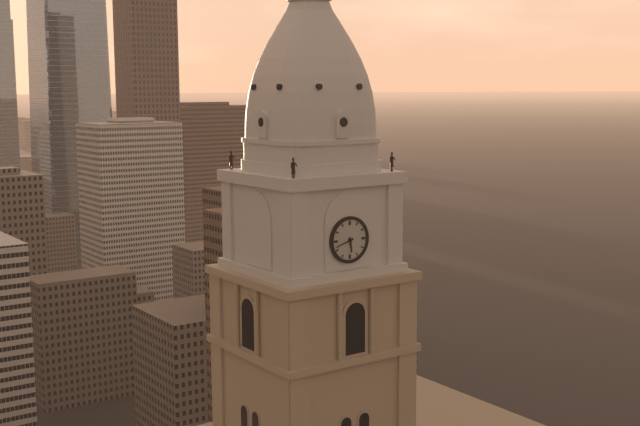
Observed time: 5.42
